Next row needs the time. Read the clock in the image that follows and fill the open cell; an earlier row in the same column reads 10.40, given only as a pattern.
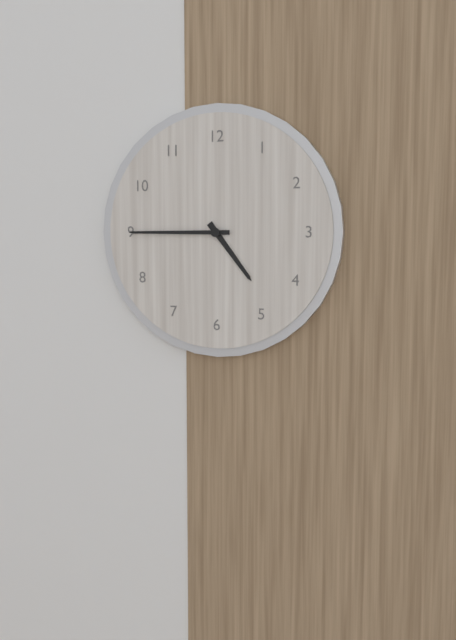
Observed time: 4.45
